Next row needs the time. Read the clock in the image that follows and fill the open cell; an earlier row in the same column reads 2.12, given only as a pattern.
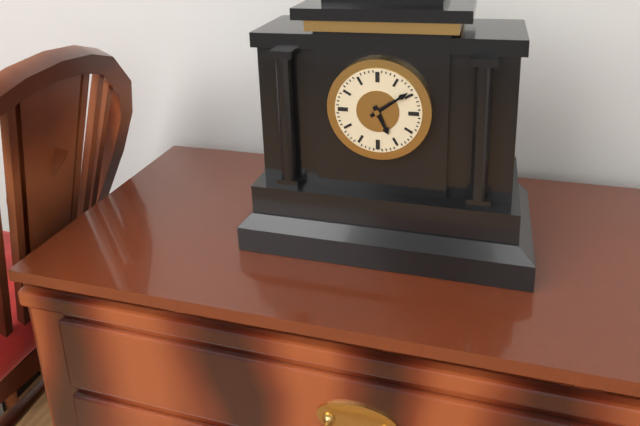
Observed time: 5.09
